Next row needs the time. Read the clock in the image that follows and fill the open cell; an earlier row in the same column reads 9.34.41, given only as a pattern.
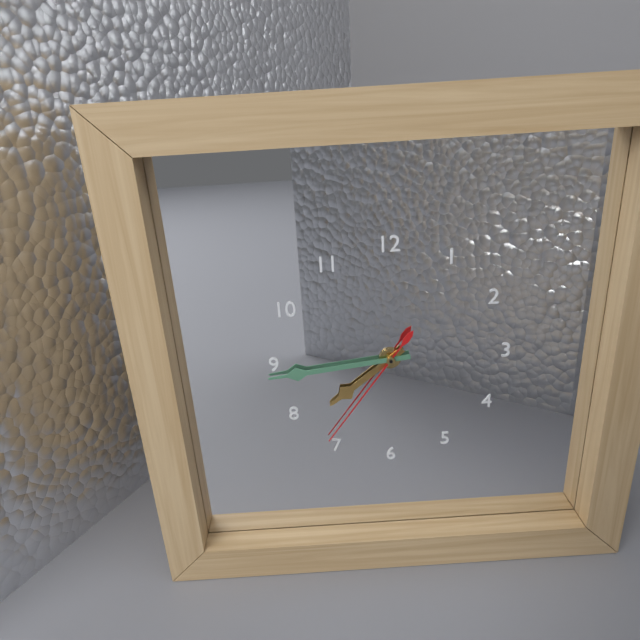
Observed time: 7.44.36
